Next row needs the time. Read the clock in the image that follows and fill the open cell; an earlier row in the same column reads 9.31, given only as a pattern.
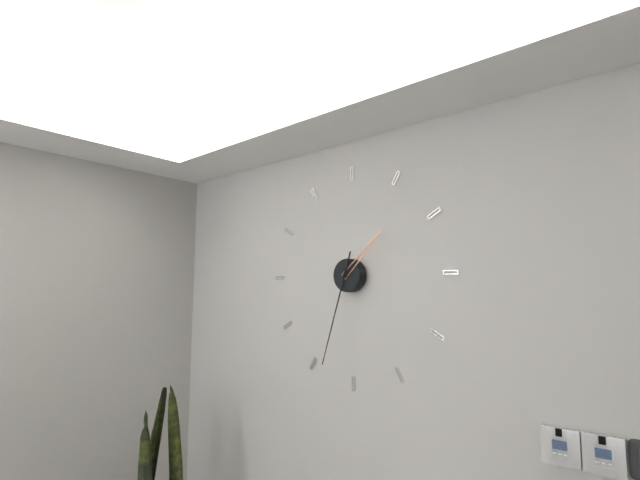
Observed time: 1.33
